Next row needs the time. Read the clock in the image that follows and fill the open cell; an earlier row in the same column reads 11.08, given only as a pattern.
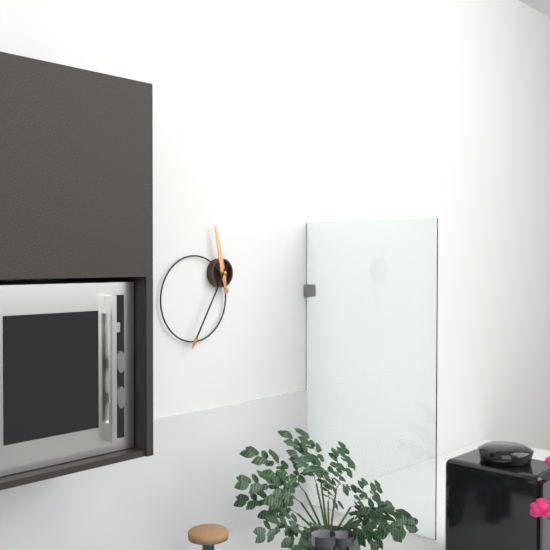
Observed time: 11.35
